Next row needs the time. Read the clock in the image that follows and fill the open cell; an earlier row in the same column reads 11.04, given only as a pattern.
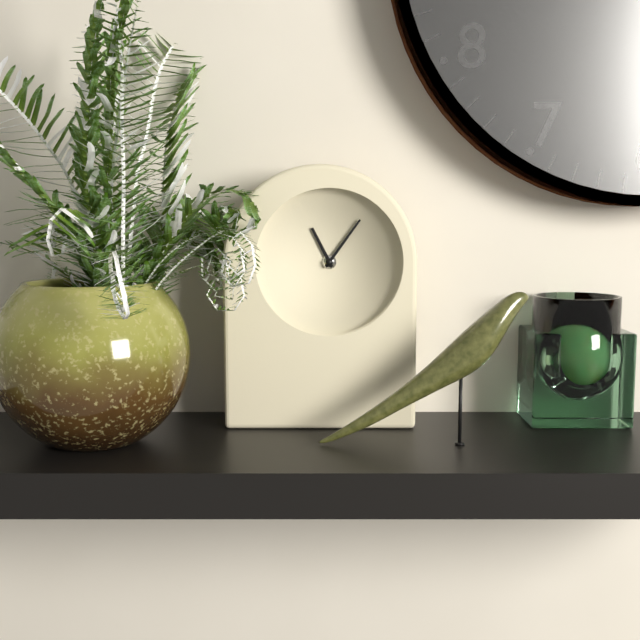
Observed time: 11.06
